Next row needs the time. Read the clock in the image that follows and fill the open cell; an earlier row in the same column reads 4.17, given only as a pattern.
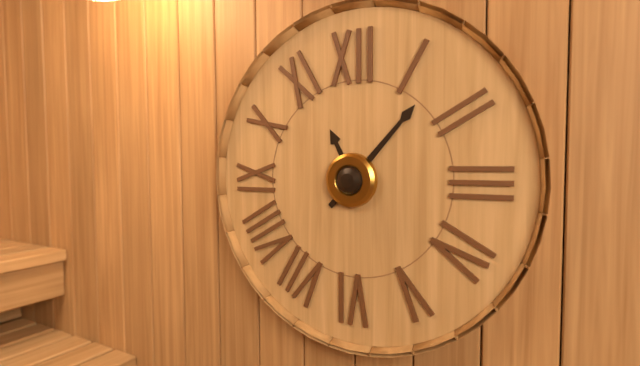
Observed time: 11.07
